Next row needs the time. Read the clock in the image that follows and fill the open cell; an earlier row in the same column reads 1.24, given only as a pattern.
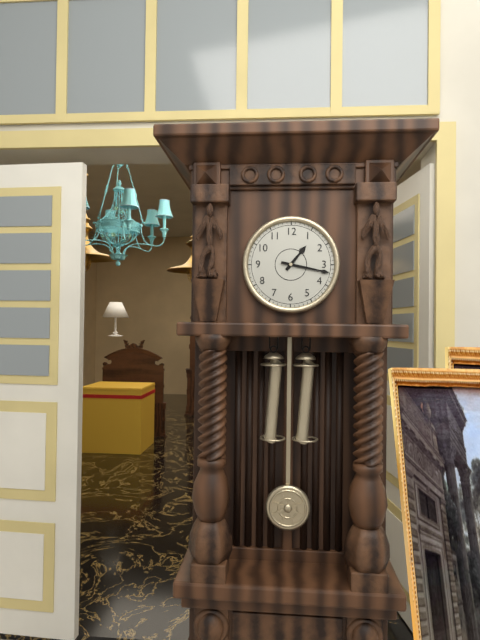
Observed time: 1.17
